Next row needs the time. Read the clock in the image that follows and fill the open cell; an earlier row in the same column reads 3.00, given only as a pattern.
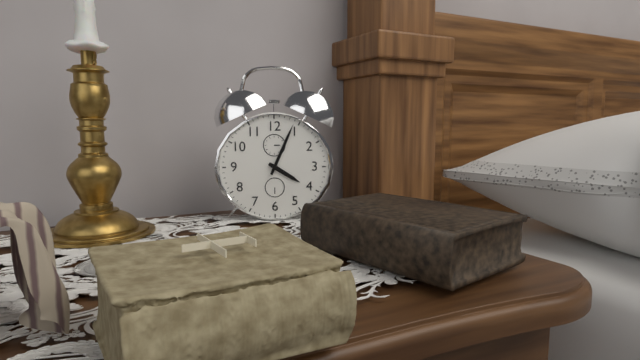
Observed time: 4.04
